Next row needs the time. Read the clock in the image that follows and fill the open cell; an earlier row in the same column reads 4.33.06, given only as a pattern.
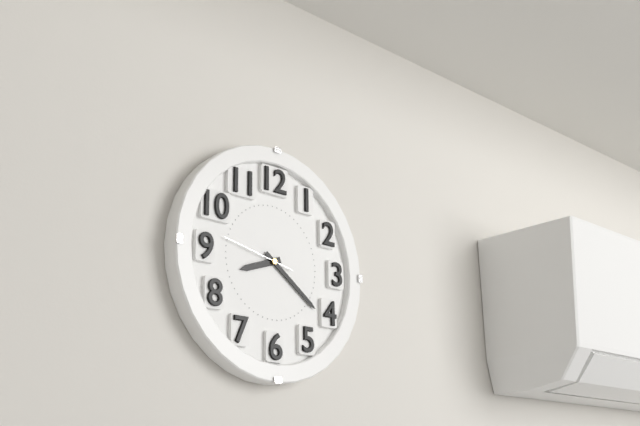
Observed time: 8.21.47
